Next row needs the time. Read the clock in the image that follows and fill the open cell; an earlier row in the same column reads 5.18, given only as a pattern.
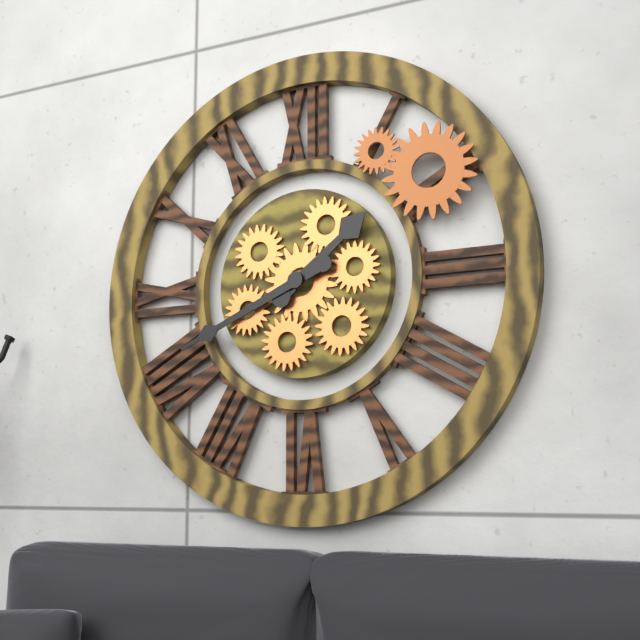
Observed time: 1.41
